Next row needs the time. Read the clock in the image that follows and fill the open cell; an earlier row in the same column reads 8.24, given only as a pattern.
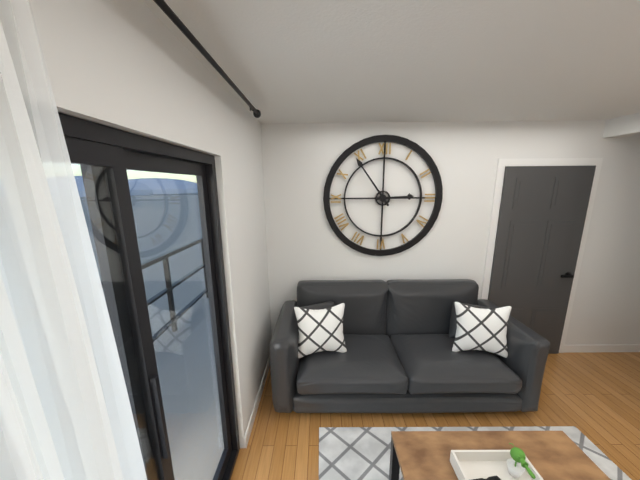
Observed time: 2.54
